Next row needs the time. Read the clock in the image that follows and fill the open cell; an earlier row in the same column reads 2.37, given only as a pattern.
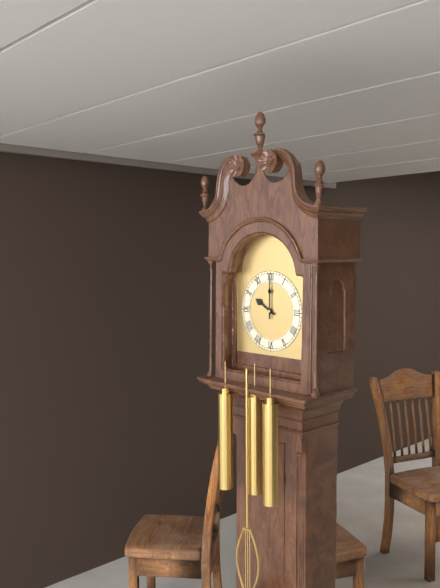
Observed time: 10.00
